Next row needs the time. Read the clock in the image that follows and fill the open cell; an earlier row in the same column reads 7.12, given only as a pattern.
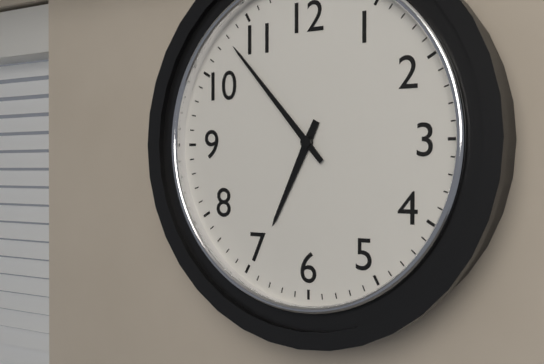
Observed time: 6.53
